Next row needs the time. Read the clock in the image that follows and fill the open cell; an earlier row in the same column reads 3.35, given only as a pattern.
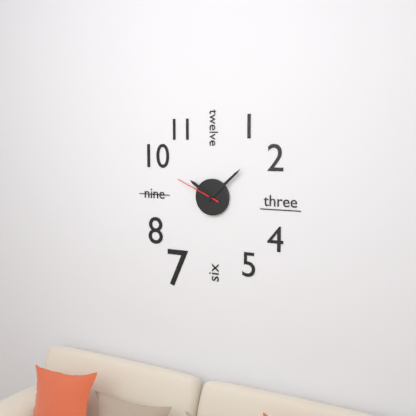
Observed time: 10.08
